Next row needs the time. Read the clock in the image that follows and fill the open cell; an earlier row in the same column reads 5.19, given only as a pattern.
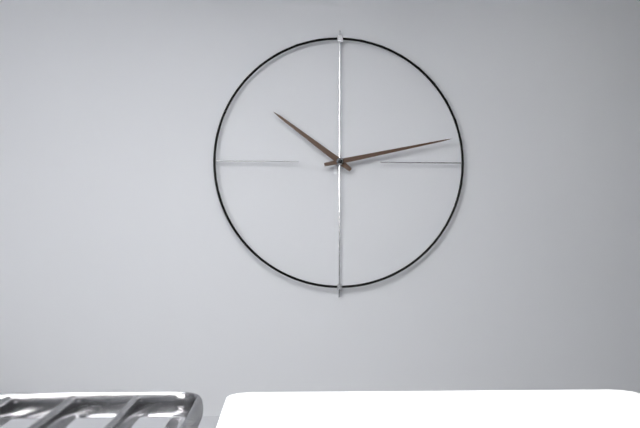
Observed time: 10.13
